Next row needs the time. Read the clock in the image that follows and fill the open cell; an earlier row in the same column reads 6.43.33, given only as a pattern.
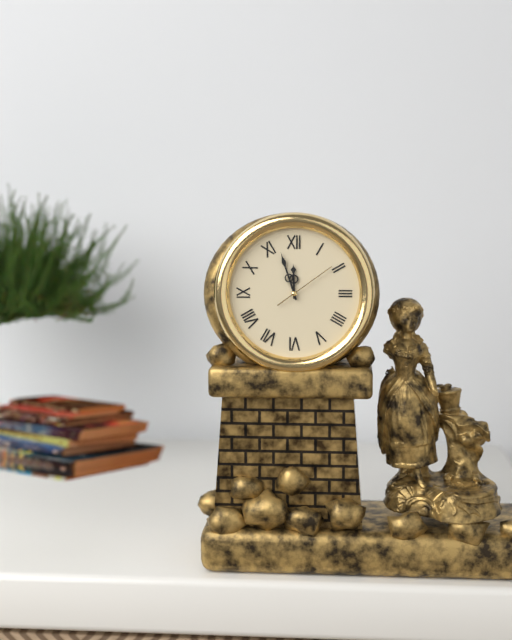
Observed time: 11.57.09
